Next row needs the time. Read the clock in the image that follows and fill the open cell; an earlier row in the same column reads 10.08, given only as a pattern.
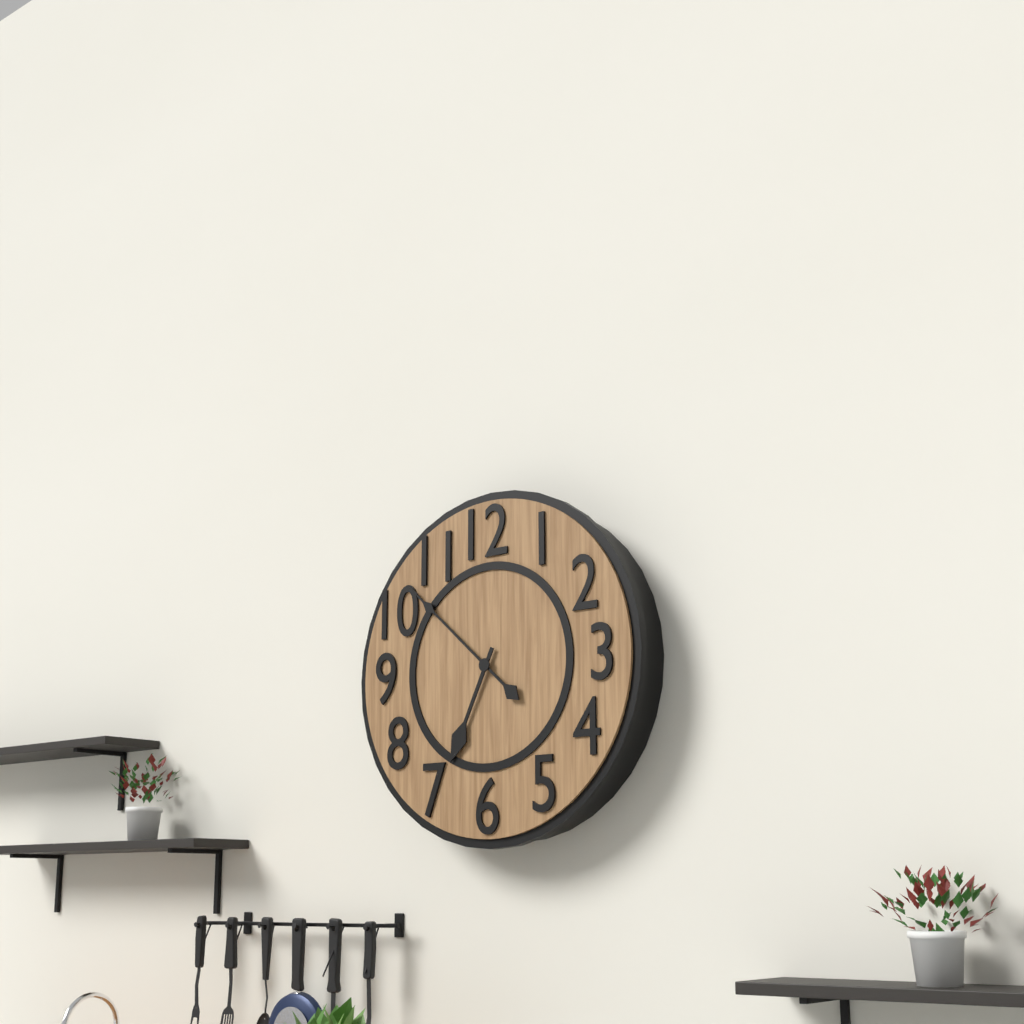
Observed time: 6.52
